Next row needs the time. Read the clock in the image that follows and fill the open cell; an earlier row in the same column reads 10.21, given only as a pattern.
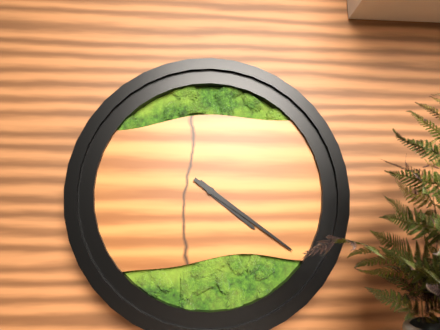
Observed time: 4.21
